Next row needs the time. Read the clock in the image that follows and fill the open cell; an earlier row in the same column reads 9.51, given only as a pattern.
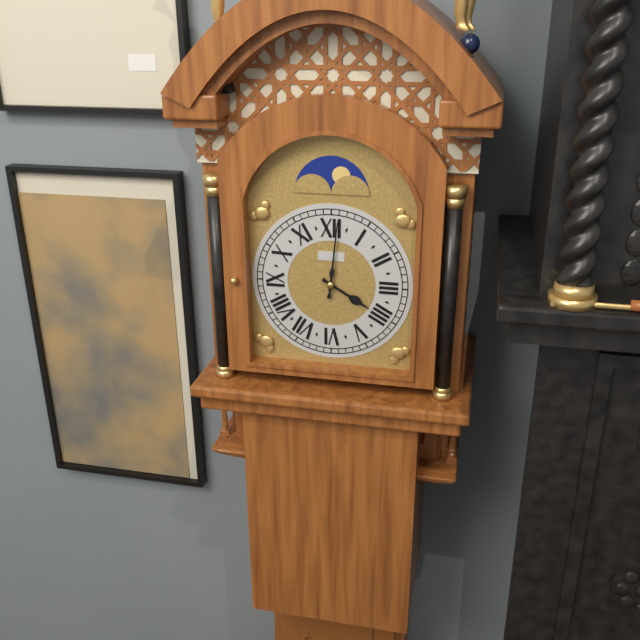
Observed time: 4.01
